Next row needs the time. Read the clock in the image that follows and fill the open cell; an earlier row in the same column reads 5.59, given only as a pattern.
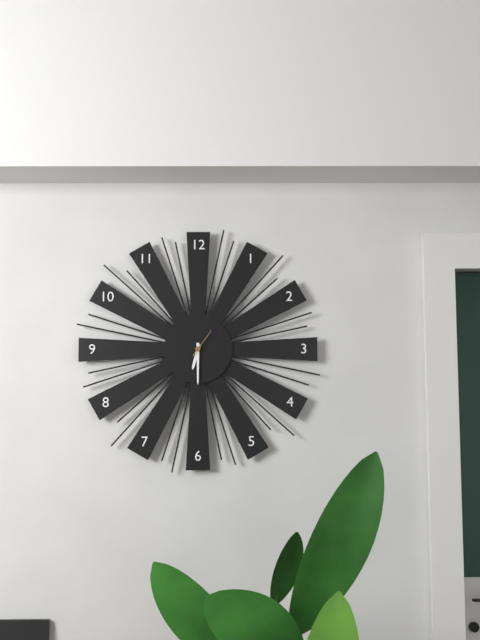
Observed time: 6.30
